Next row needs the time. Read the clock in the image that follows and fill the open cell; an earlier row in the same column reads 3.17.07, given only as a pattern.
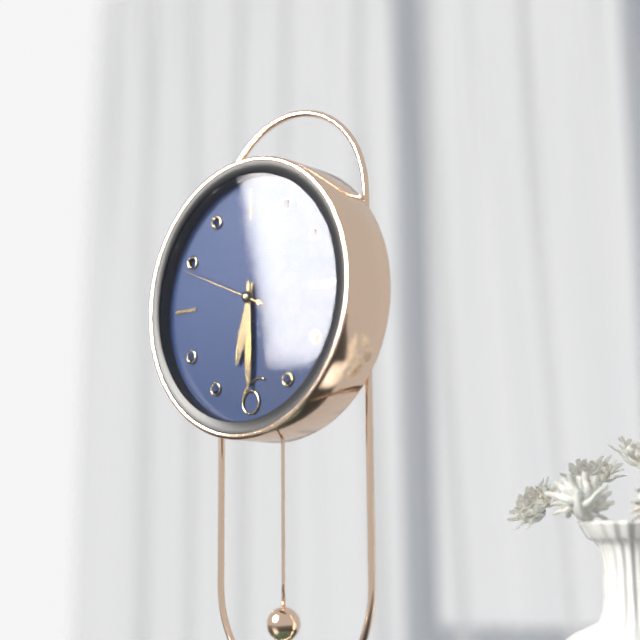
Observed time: 6.30.49
